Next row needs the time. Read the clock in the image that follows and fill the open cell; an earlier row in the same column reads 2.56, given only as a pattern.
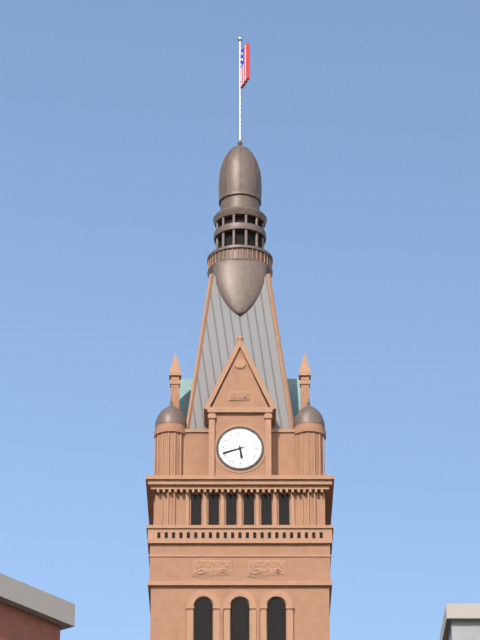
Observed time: 5.42
